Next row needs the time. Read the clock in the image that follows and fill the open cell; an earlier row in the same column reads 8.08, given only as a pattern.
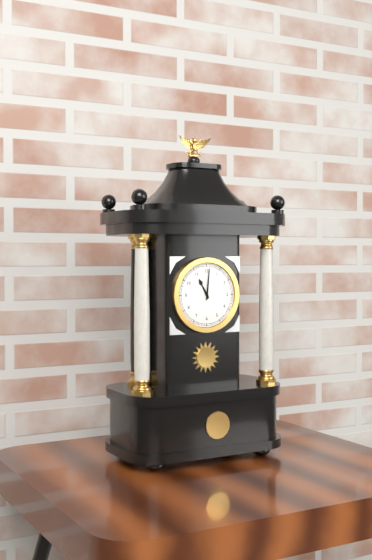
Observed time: 11.01
